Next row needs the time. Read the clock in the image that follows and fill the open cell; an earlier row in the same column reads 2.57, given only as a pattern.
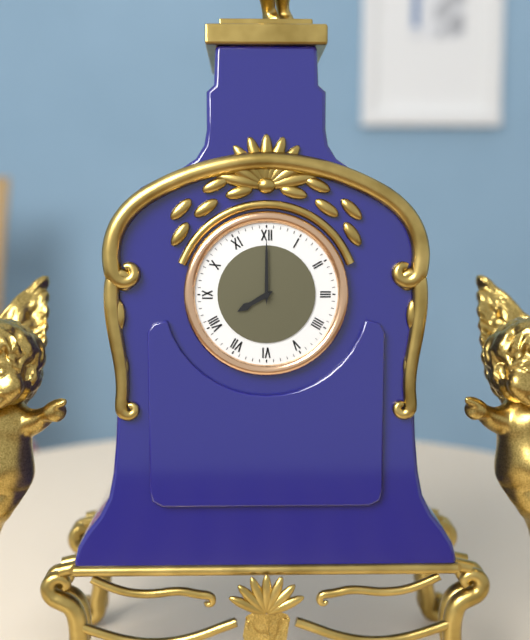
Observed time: 8.00
